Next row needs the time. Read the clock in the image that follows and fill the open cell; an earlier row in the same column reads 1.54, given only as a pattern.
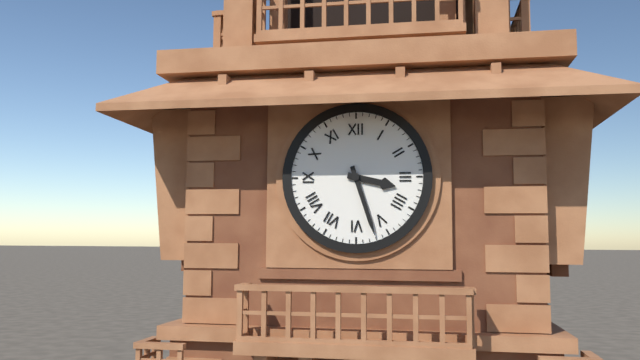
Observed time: 3.27
